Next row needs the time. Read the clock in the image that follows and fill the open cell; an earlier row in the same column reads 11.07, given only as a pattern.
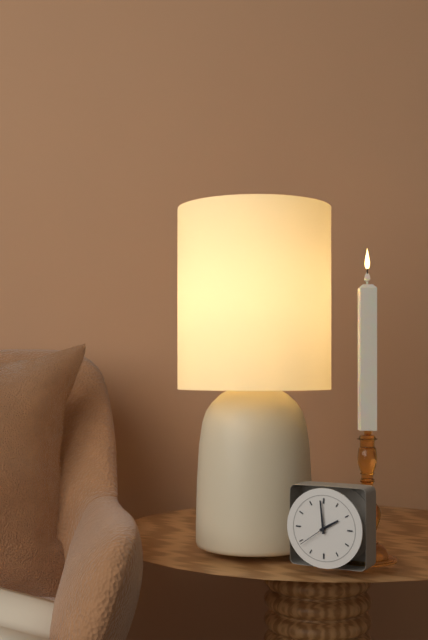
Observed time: 1.59
